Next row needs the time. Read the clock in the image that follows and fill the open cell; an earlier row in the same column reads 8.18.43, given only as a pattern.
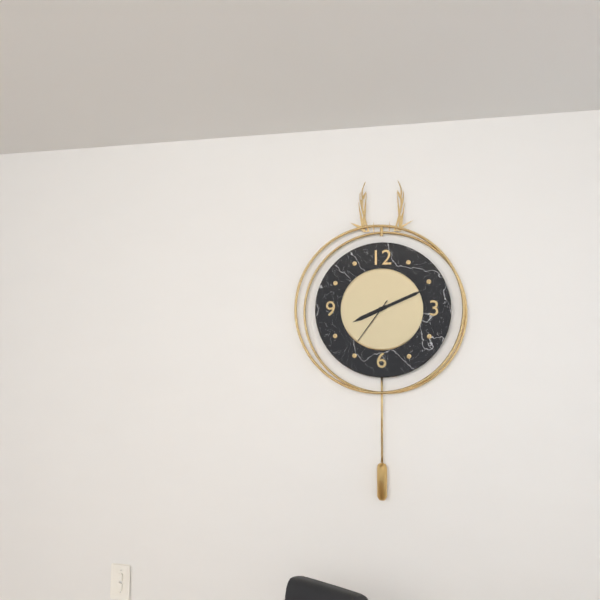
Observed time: 8.11.36
